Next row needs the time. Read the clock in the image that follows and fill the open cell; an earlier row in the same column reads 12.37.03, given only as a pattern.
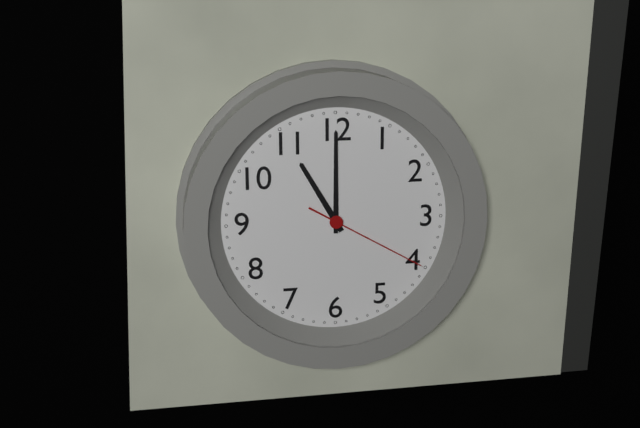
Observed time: 11.00.20
